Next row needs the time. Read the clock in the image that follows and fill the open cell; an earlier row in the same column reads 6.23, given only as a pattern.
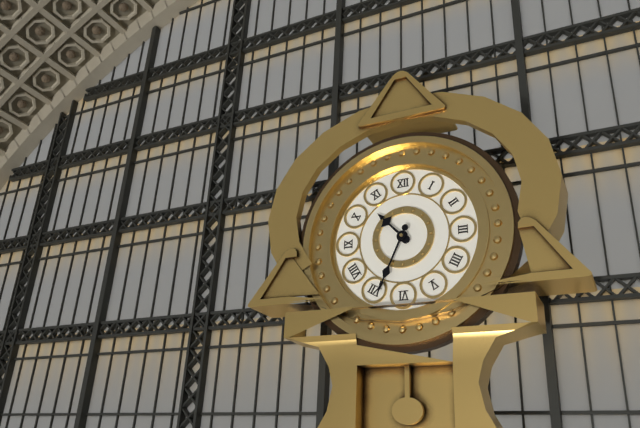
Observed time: 10.34
